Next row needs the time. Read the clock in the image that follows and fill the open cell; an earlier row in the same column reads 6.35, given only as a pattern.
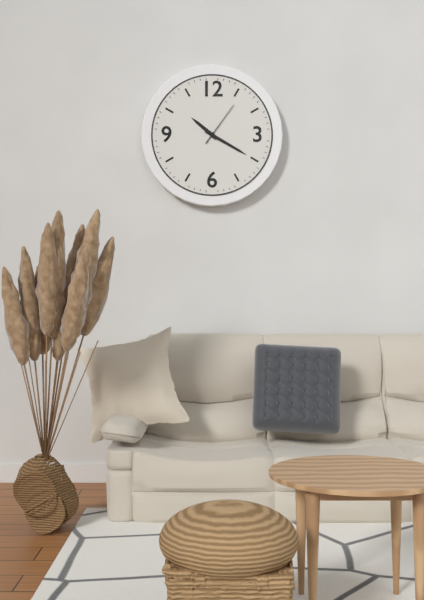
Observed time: 10.20
